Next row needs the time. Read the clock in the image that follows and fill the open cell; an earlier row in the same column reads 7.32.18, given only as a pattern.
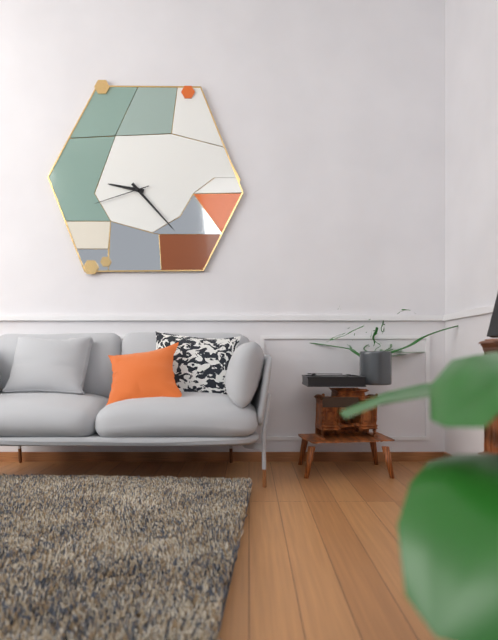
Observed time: 9.23.42
